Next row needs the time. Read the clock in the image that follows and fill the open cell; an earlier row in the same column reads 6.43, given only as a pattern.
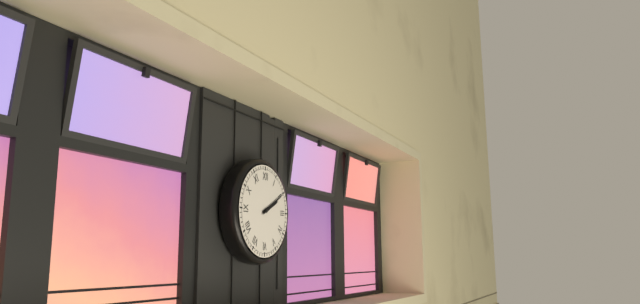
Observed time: 2.10
